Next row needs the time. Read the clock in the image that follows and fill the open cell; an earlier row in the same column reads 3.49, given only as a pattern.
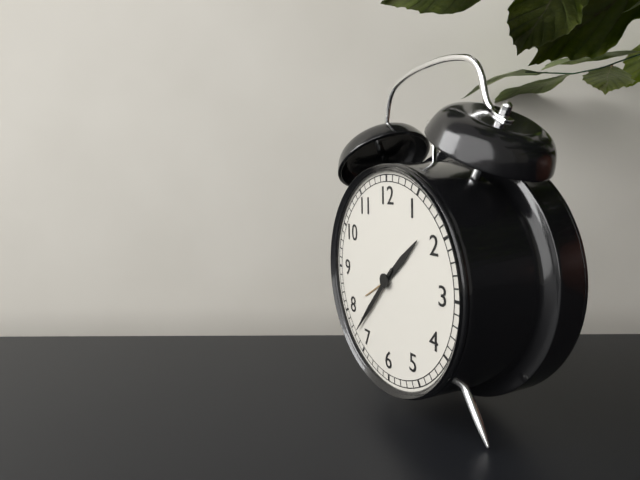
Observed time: 1.37
